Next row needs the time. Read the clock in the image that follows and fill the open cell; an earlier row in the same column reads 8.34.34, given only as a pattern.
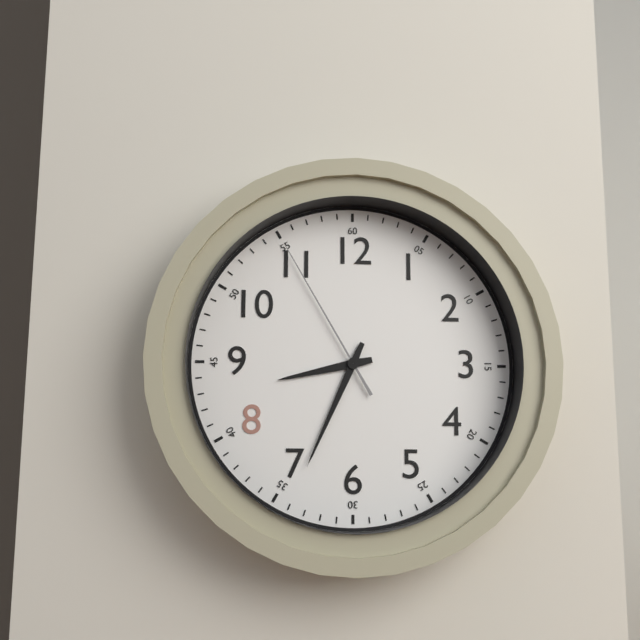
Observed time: 8.34.55
